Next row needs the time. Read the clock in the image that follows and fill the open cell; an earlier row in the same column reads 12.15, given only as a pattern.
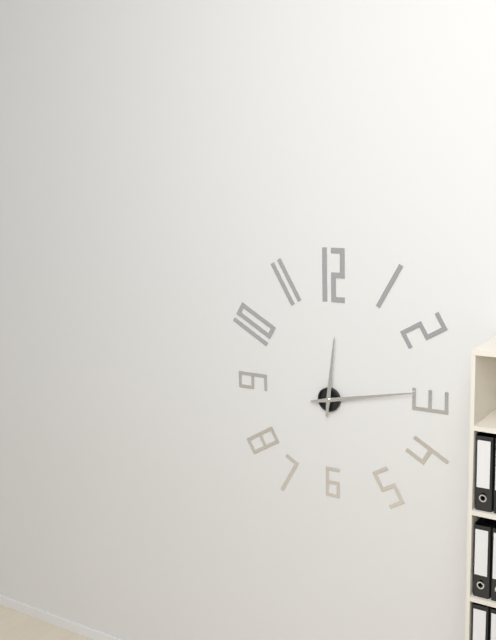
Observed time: 12.13
